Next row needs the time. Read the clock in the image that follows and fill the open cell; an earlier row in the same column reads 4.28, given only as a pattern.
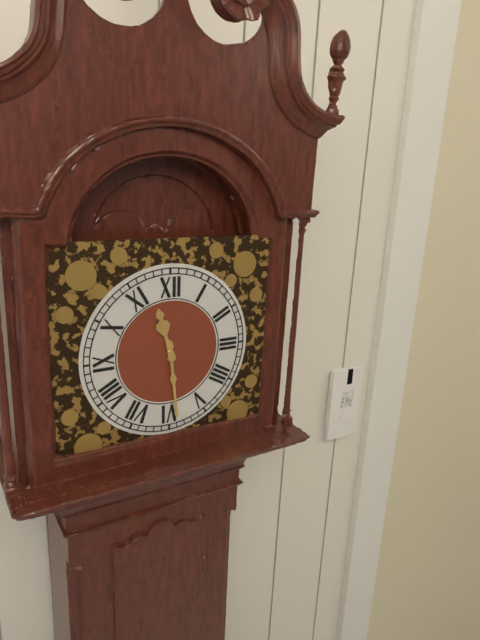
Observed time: 11.29
